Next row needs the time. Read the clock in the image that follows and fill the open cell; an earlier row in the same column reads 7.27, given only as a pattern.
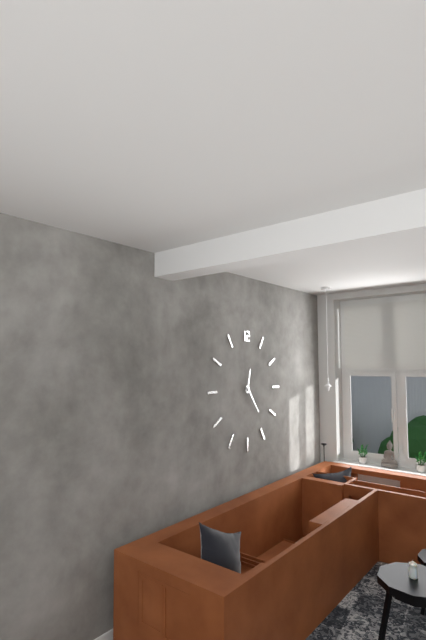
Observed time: 12.24
